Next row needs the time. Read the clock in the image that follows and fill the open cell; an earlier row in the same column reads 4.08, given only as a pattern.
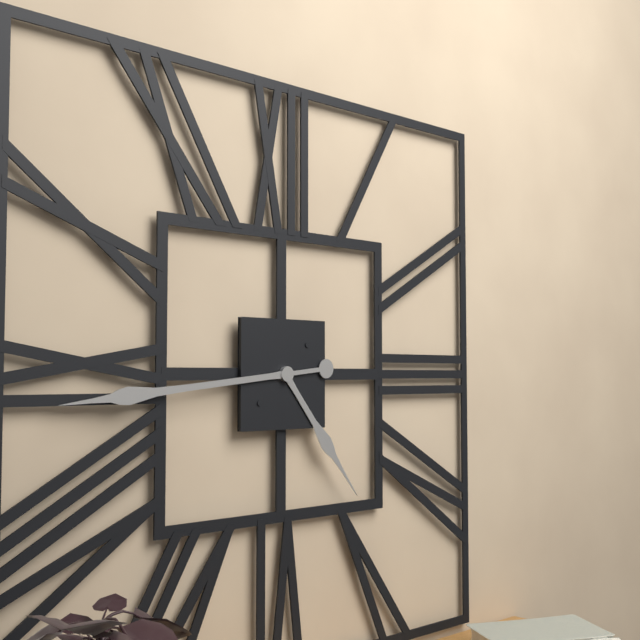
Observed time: 4.44
